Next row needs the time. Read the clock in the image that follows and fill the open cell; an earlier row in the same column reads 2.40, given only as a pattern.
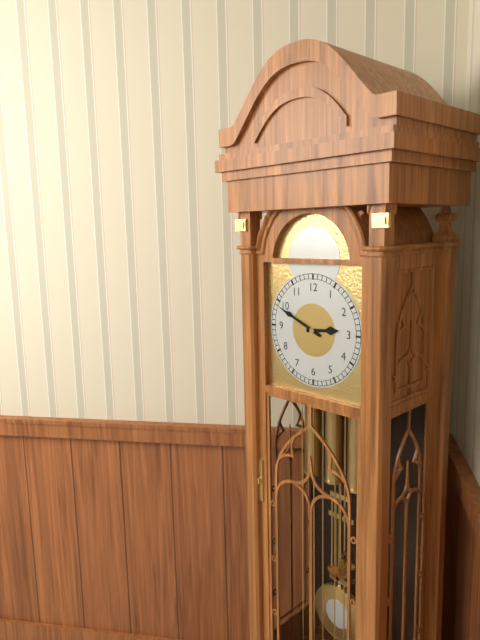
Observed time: 2.49
